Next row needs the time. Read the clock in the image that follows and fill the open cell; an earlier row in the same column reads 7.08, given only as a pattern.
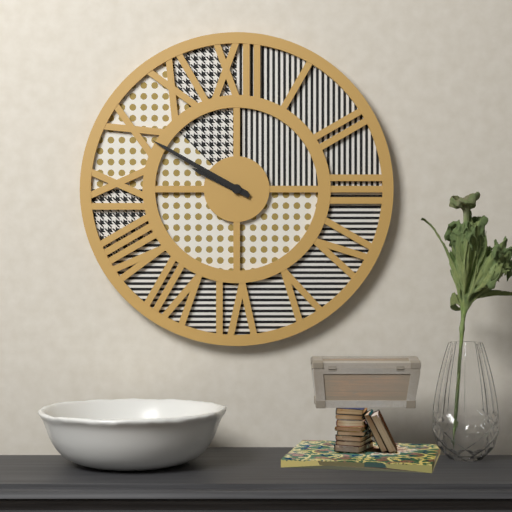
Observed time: 9.50
